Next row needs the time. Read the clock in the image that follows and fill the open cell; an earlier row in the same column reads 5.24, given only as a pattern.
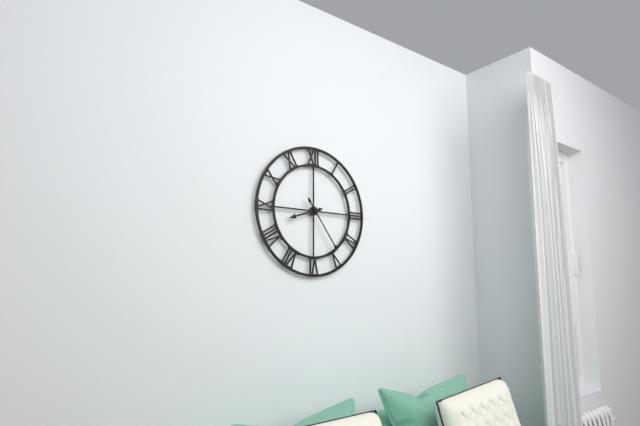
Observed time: 8.24
